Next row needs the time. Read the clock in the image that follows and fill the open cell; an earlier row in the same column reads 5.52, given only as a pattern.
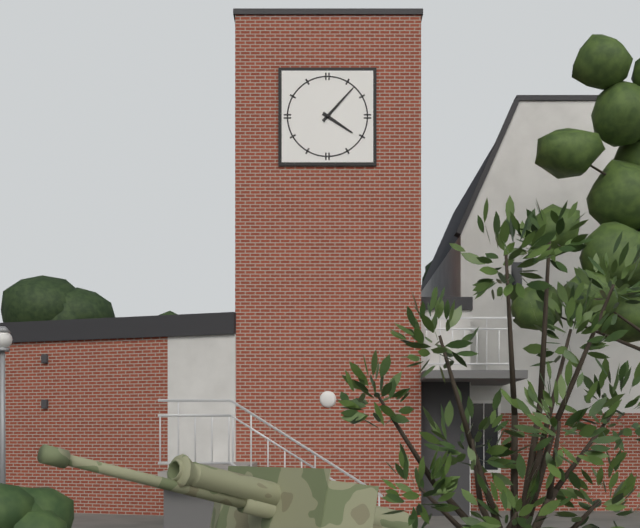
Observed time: 4.07
